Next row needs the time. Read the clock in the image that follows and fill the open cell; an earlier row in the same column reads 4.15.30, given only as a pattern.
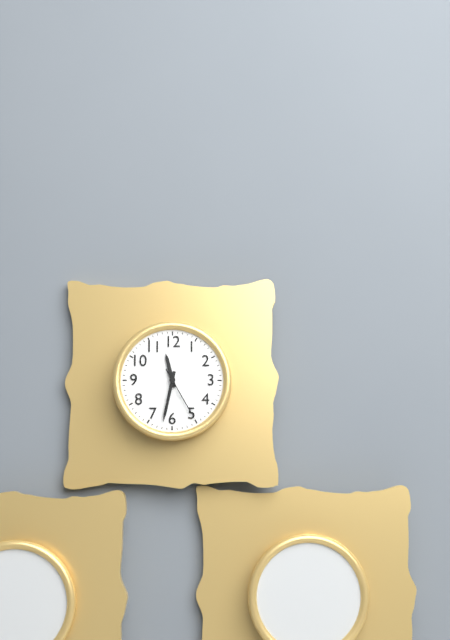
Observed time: 11.32.25
